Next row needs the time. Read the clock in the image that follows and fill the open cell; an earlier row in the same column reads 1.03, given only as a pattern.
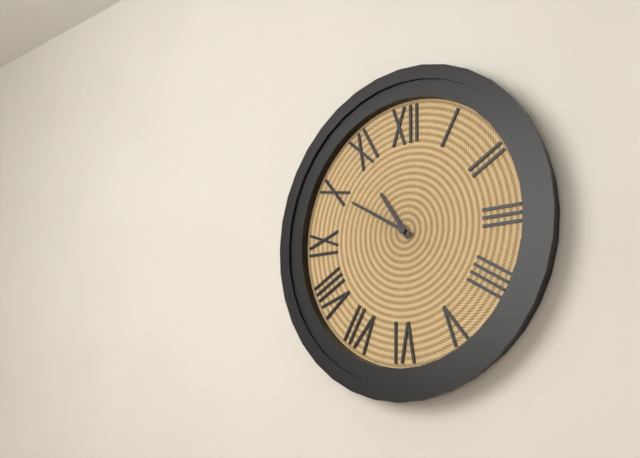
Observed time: 10.50
